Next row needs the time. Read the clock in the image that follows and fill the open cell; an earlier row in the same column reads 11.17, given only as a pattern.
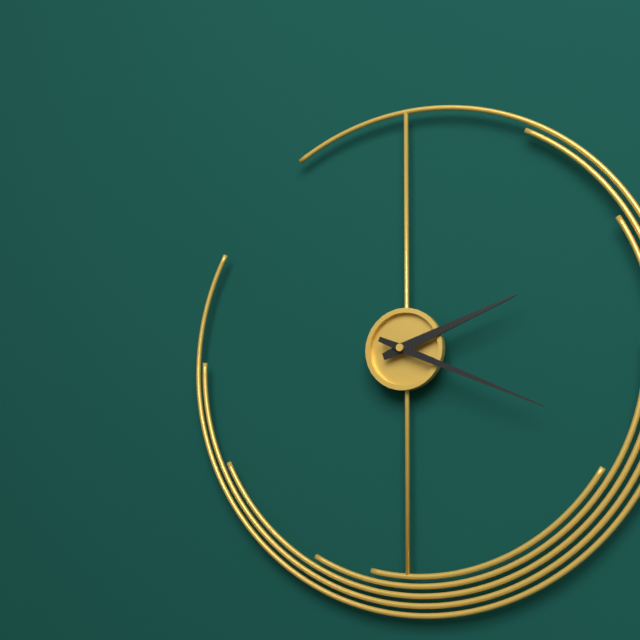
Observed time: 2.19
